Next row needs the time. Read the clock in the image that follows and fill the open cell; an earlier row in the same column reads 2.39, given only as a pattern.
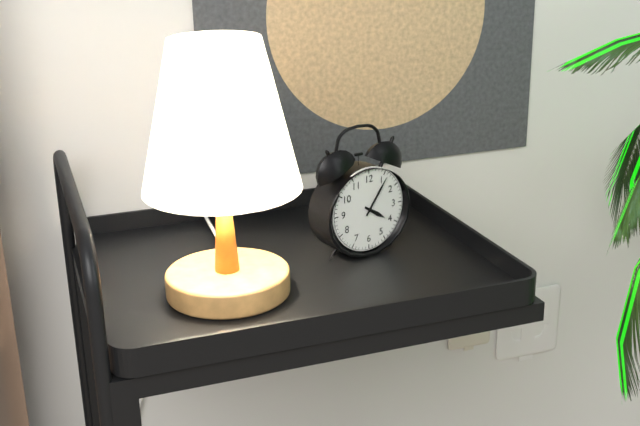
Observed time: 4.06
